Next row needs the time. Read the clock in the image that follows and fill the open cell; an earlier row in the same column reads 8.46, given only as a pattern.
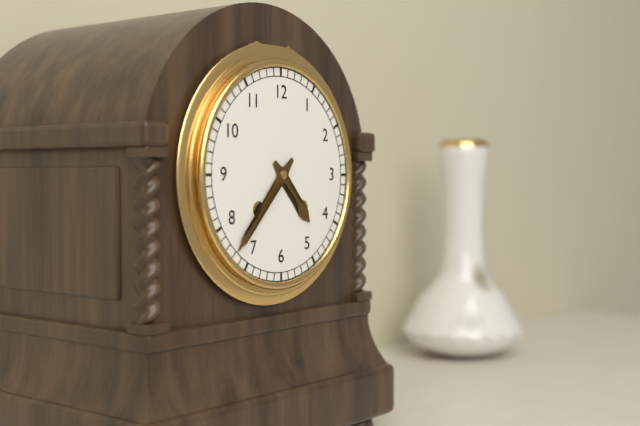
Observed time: 4.37
